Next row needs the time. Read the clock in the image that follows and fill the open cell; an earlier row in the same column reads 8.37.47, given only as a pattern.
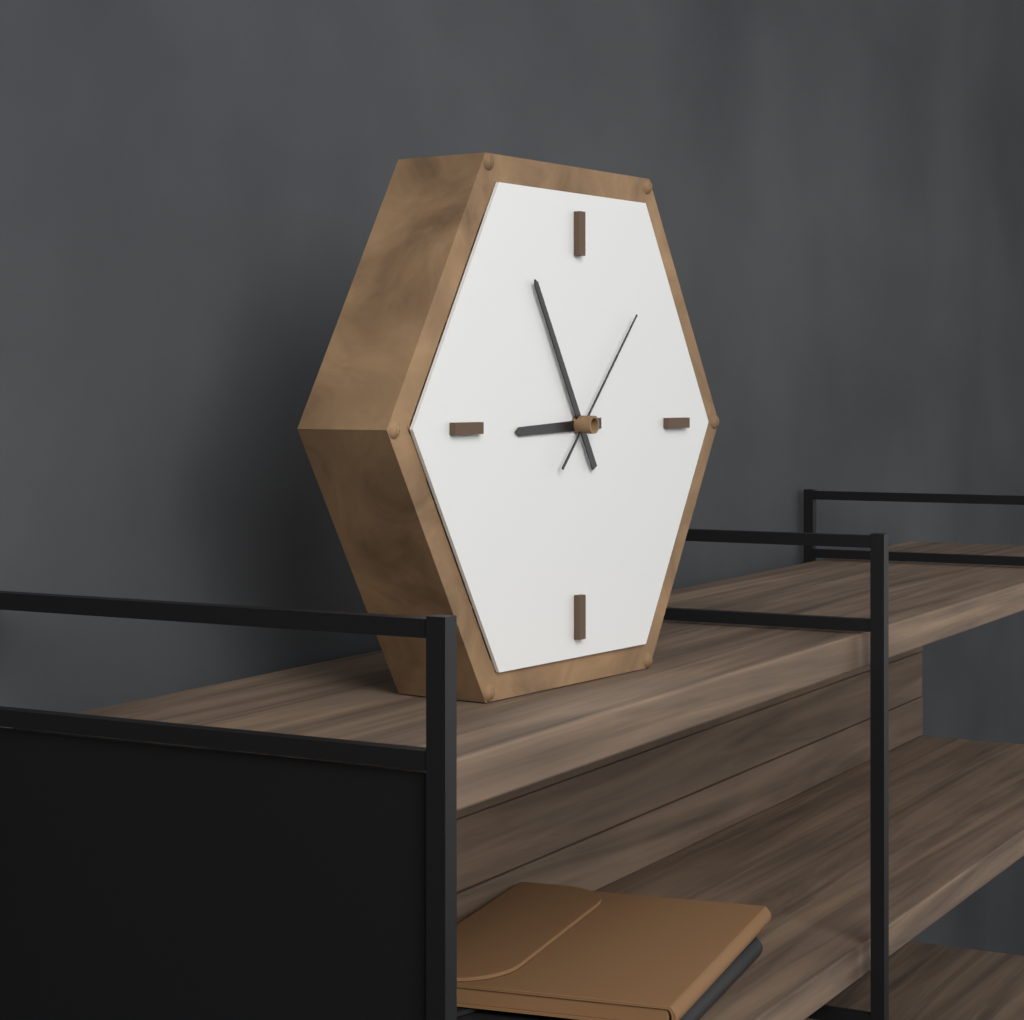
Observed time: 8.55.07
